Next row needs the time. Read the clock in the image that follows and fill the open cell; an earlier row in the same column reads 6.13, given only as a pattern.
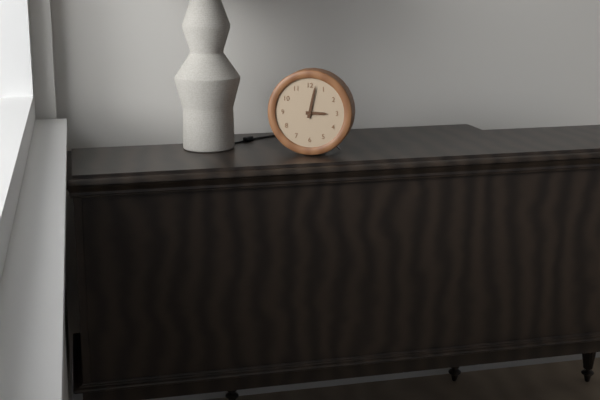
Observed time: 3.02
